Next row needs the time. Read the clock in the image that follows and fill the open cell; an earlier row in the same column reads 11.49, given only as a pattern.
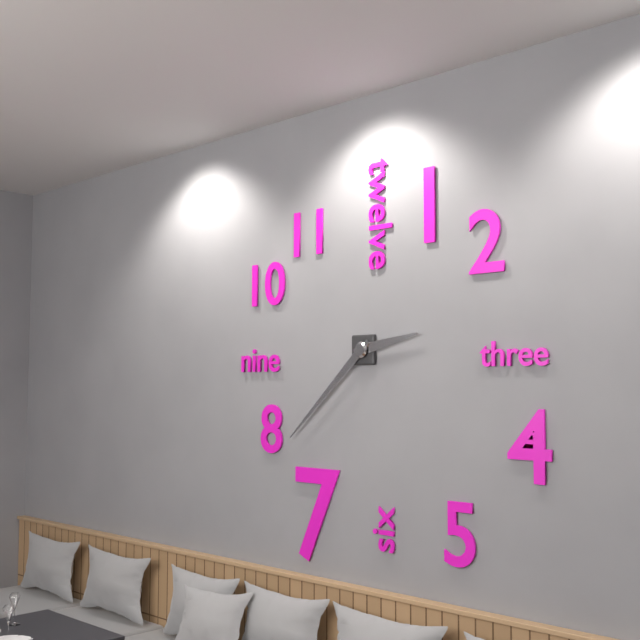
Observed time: 2.38
